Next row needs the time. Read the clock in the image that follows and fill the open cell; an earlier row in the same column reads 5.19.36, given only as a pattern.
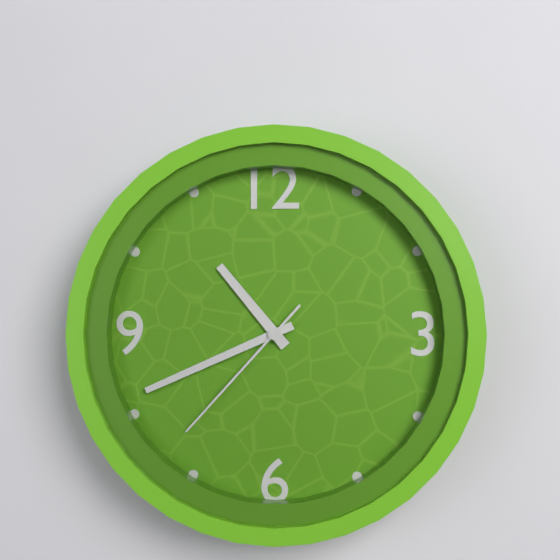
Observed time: 10.41.37
